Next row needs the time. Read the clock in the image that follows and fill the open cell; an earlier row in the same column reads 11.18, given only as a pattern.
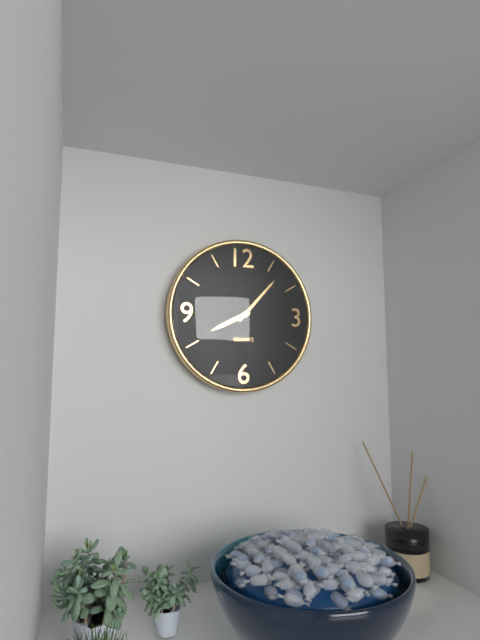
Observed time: 8.07
